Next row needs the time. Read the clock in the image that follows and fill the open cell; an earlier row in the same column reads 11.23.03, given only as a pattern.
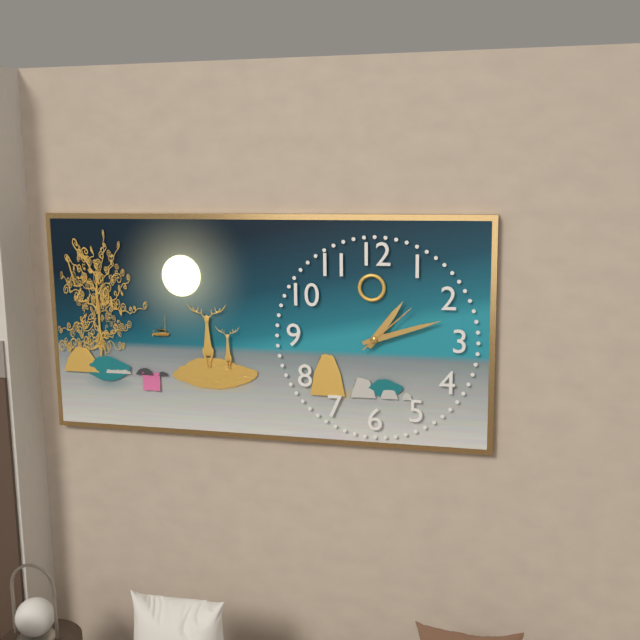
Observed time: 1.12.08
